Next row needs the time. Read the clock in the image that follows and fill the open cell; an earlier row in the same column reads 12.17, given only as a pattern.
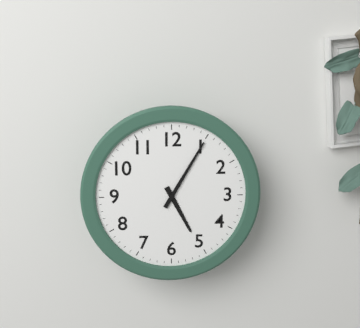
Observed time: 5.05
